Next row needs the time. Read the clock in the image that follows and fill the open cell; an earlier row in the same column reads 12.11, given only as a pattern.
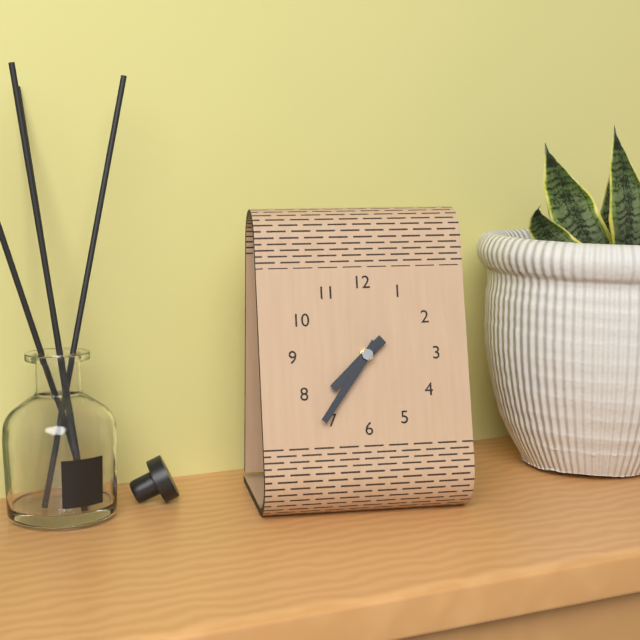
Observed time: 7.36
